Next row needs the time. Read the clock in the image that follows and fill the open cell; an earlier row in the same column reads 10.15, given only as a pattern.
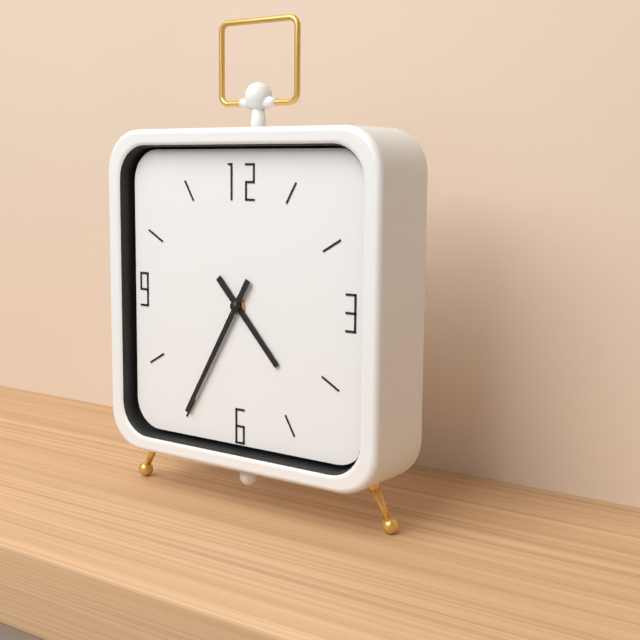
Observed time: 4.35
